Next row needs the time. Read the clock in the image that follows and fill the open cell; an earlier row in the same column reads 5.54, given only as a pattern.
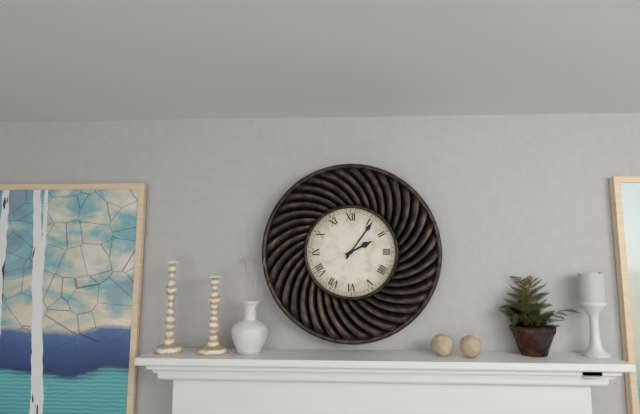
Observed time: 2.06
